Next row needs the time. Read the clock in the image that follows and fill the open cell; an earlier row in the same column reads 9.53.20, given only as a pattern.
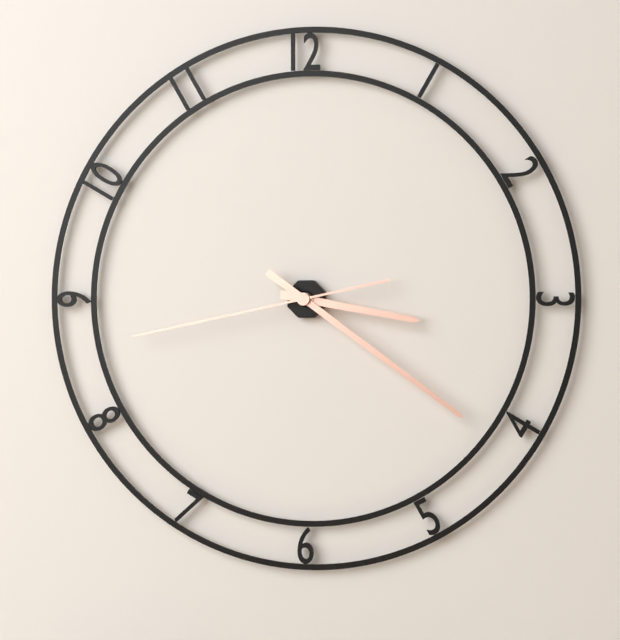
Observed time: 3.21.43
